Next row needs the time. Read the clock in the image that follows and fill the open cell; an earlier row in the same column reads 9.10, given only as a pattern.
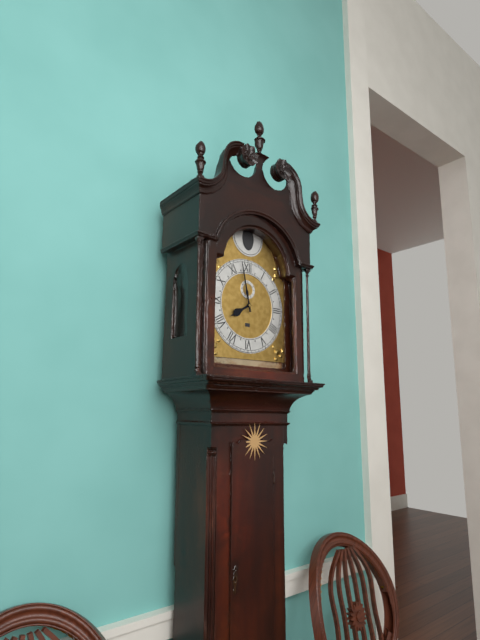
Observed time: 7.58
